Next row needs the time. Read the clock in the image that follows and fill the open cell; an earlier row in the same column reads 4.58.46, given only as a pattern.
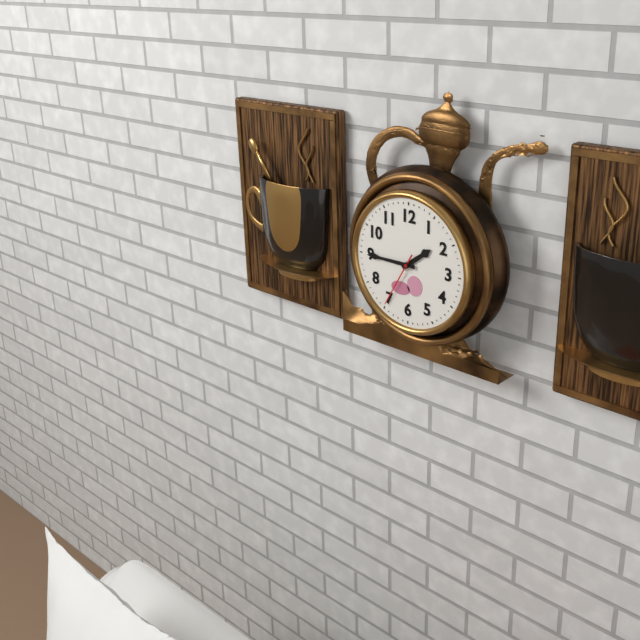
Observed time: 1.45.35
